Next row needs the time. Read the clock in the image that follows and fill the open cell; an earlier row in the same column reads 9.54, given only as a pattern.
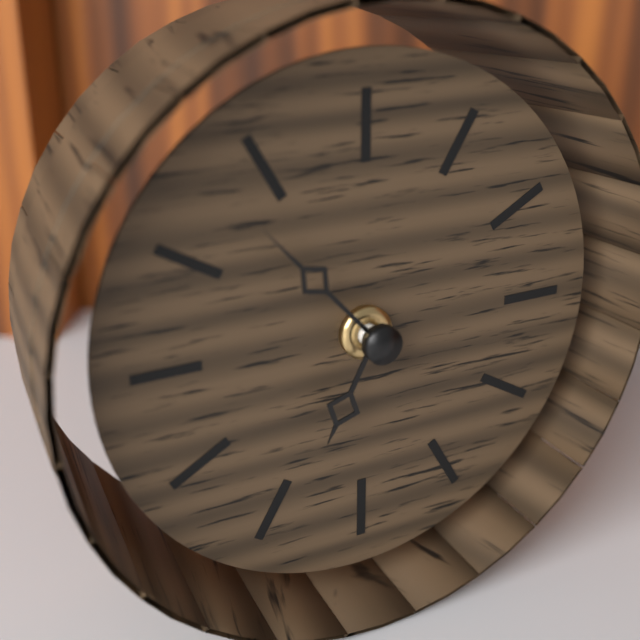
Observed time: 6.53
